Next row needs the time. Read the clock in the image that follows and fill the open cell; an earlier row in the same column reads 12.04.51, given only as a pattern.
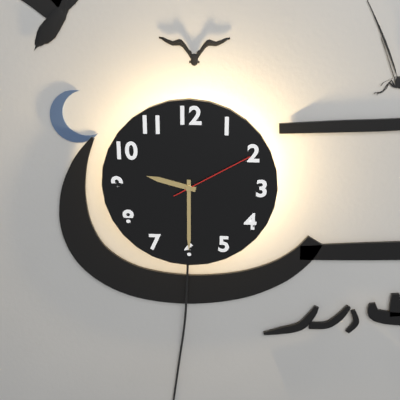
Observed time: 9.30.10
